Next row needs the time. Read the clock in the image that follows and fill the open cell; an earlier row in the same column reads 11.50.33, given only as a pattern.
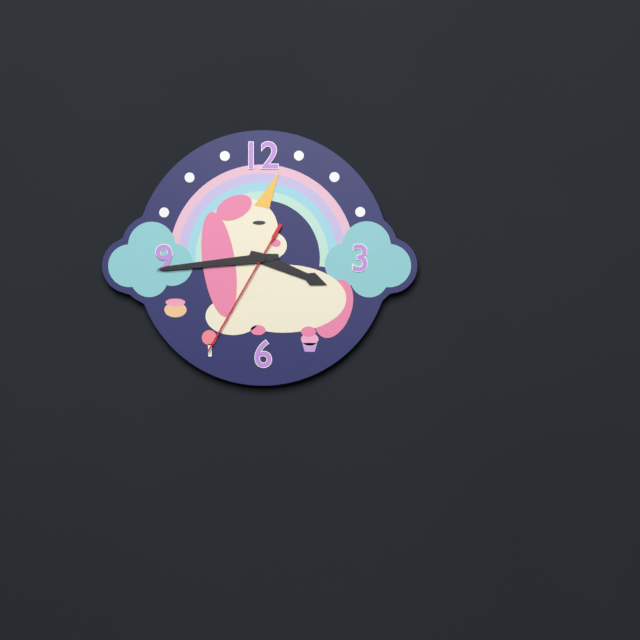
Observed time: 3.44.35
